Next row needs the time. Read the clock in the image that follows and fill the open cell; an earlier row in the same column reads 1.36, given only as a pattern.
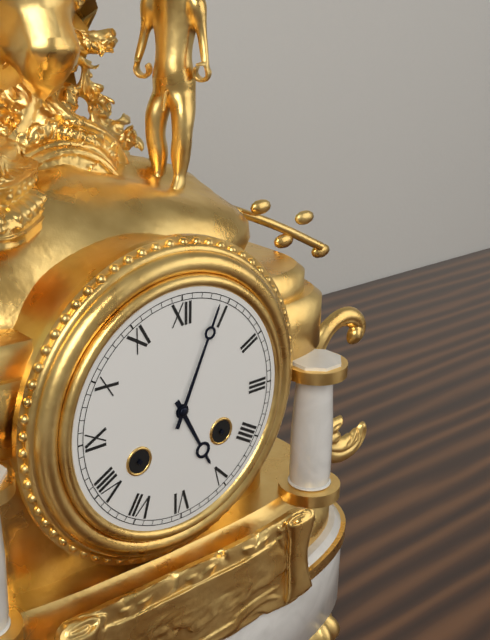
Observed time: 5.04
